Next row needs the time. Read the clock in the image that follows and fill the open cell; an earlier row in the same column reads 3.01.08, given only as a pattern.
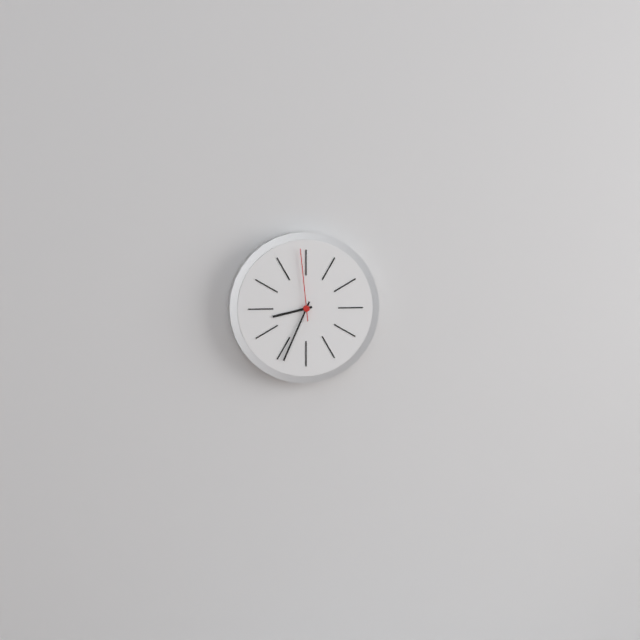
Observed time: 8.34.59
